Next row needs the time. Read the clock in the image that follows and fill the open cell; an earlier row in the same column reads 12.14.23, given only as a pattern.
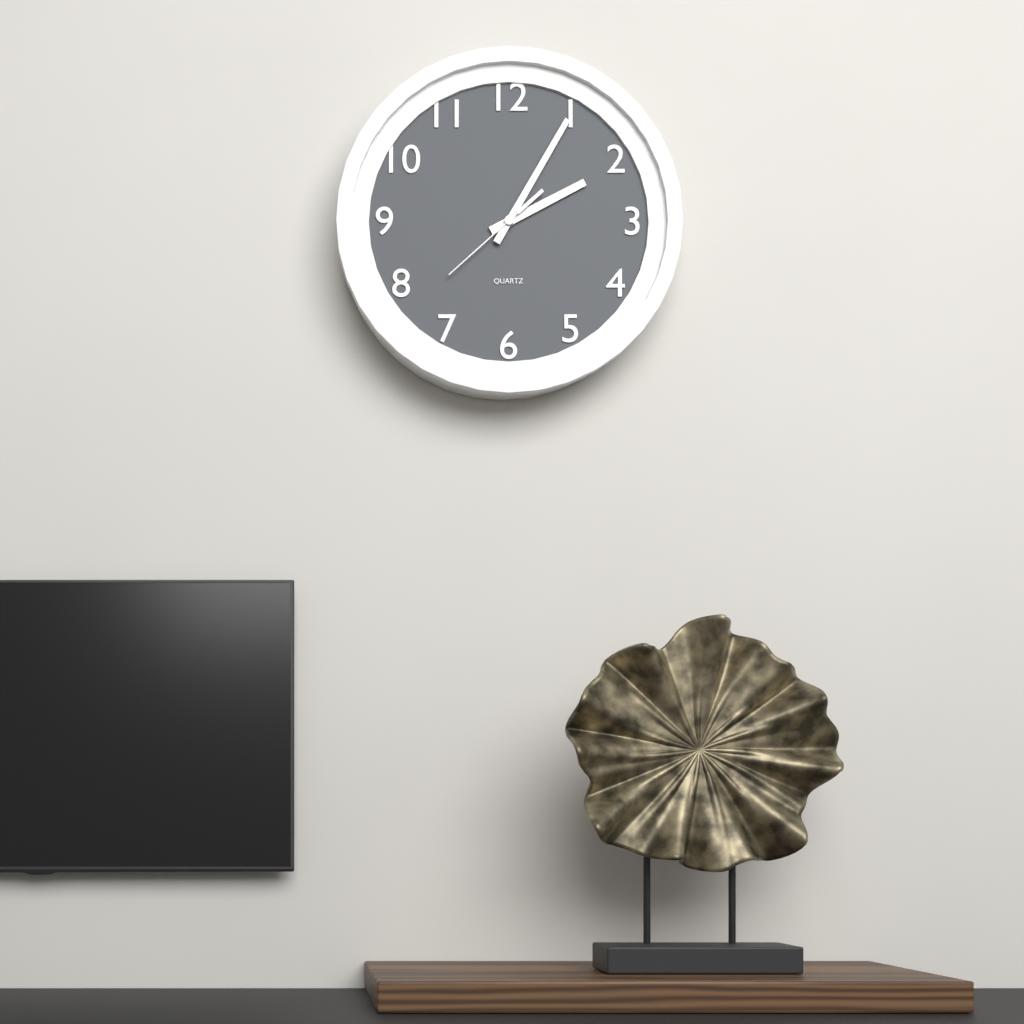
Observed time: 2.05.38
